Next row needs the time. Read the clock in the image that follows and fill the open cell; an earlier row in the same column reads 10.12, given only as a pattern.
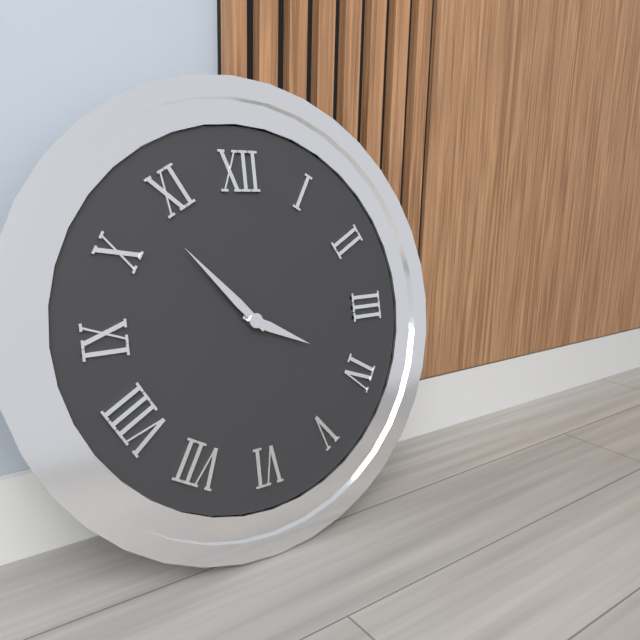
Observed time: 3.53
